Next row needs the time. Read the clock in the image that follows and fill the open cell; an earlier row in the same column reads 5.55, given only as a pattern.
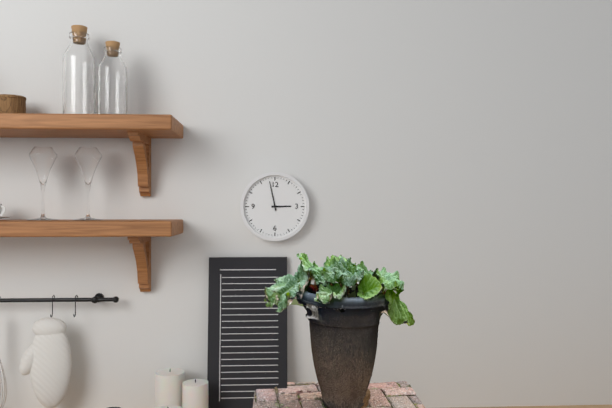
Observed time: 2.58
